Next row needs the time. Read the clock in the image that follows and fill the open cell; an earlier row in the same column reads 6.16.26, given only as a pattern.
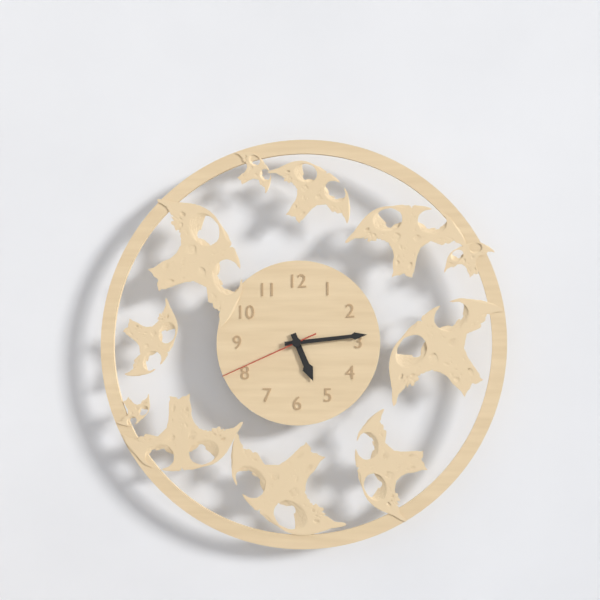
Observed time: 5.14.41
